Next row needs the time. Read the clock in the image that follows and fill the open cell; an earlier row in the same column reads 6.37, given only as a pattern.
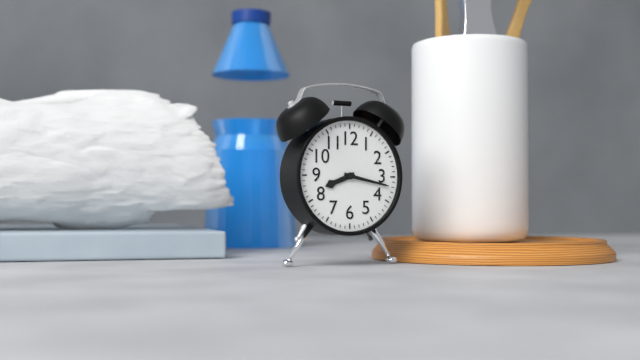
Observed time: 8.17
